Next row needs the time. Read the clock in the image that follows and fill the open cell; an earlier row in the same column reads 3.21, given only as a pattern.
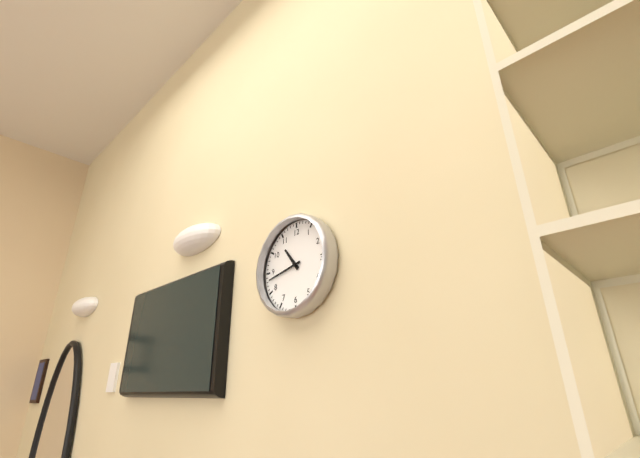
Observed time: 10.43
